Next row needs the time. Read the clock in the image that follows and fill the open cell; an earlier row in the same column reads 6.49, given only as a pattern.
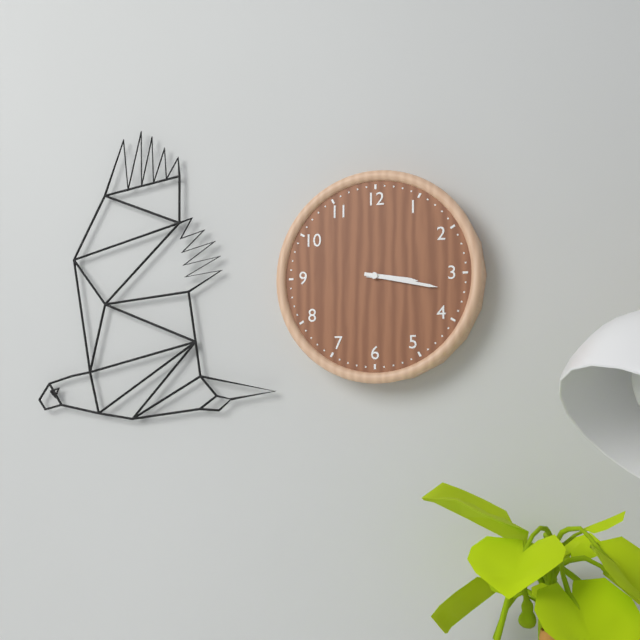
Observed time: 3.17
